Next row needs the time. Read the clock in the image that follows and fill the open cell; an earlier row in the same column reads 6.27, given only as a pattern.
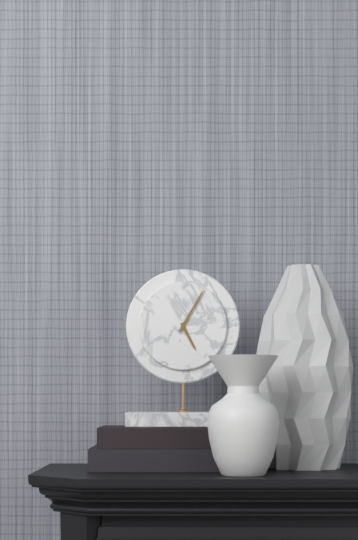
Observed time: 5.05
